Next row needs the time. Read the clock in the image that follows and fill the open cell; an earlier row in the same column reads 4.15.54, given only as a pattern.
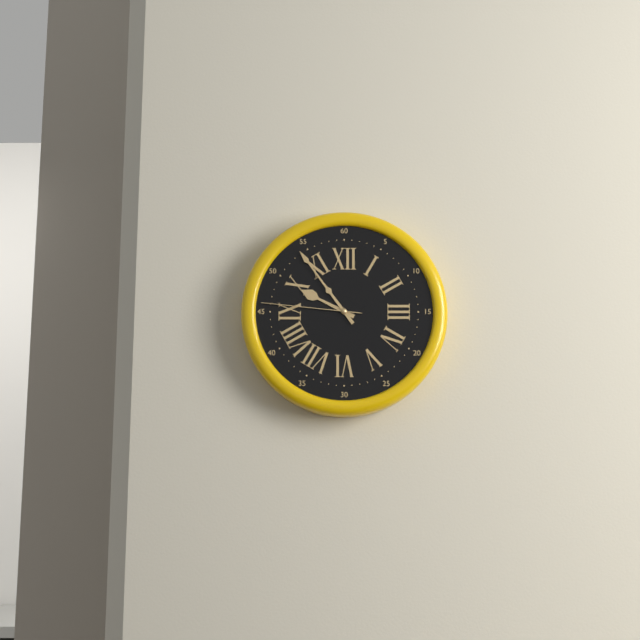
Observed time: 9.54.46
